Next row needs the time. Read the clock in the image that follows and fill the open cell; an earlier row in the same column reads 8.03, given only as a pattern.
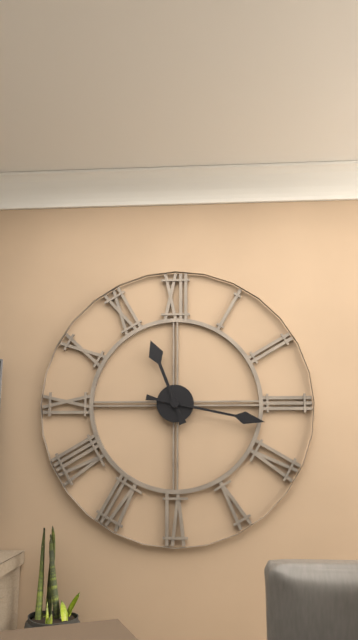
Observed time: 11.17
